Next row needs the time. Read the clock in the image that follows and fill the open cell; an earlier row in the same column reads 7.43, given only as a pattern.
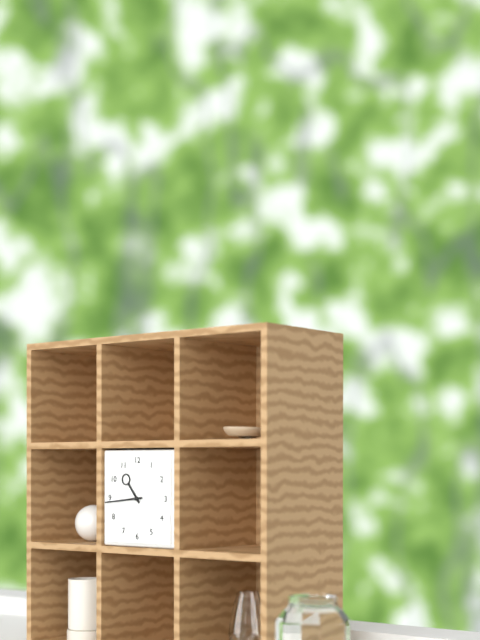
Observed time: 10.44
